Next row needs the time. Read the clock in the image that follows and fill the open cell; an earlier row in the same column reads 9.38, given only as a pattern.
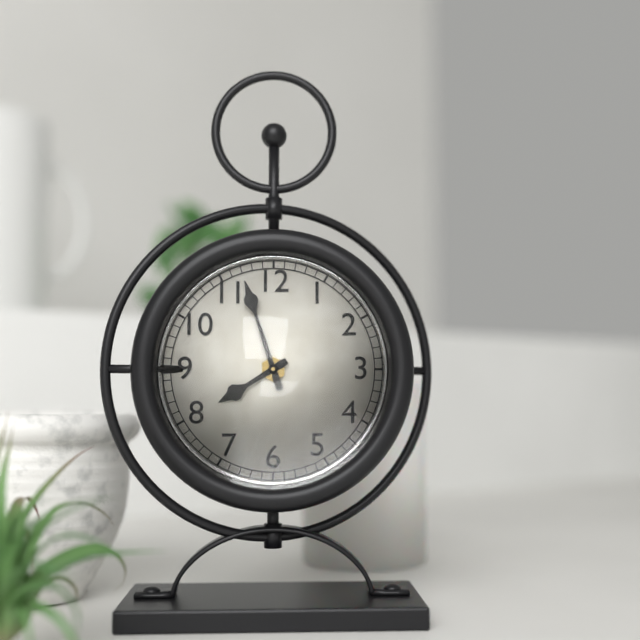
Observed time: 7.57
